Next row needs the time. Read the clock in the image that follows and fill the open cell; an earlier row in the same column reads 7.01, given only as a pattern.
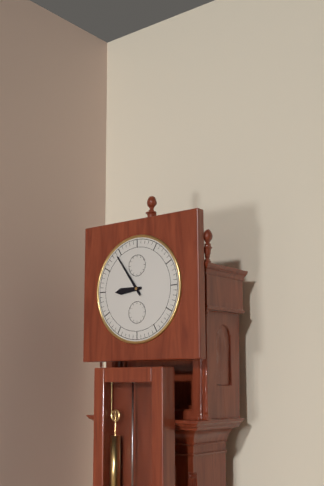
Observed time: 8.54
